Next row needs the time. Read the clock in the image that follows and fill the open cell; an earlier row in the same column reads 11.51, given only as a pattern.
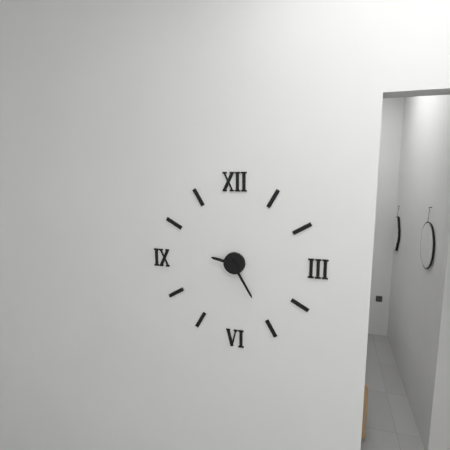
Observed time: 9.25
